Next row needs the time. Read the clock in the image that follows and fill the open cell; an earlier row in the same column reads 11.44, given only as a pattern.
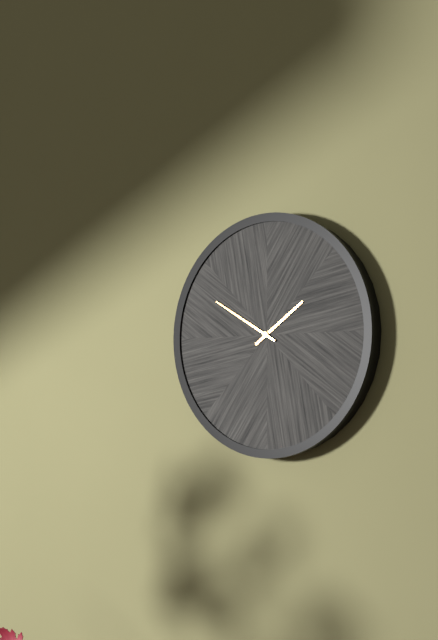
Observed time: 1.50
